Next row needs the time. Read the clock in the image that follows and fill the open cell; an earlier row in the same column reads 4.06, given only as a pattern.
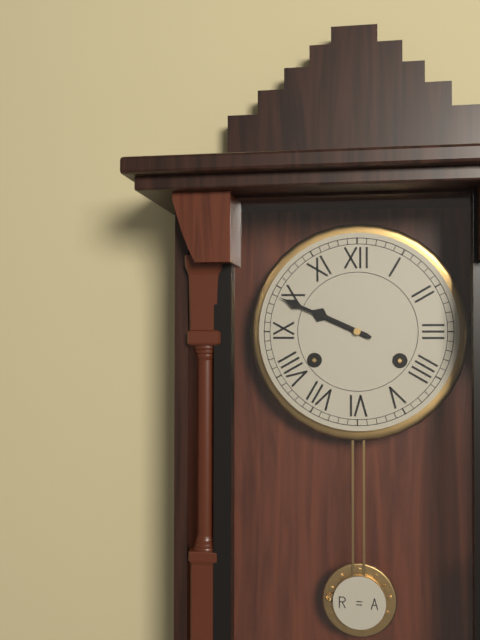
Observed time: 9.49
